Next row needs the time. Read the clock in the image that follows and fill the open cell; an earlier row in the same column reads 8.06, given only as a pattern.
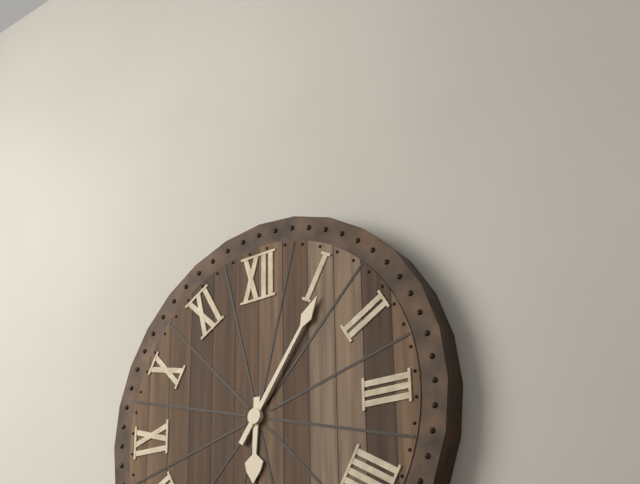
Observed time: 6.06
